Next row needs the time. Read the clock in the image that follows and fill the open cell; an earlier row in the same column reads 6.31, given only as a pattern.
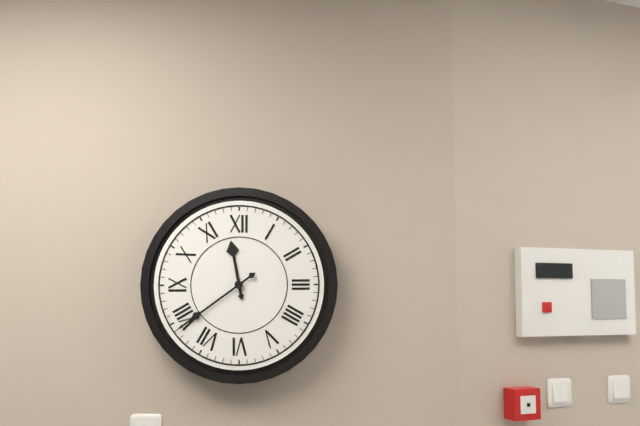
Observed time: 11.39
